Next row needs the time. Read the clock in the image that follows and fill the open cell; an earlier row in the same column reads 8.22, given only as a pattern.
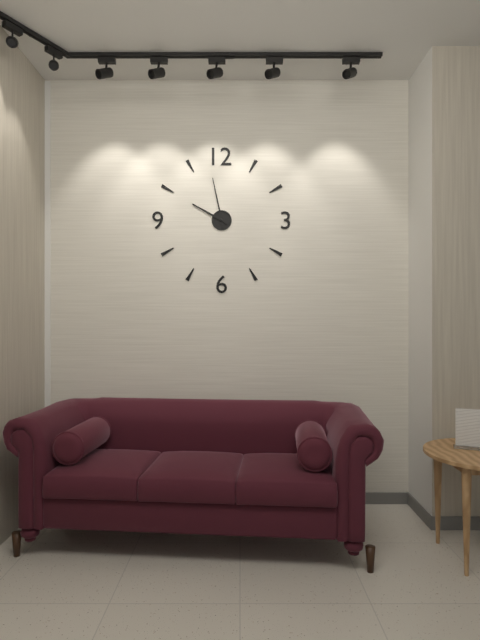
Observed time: 9.58
